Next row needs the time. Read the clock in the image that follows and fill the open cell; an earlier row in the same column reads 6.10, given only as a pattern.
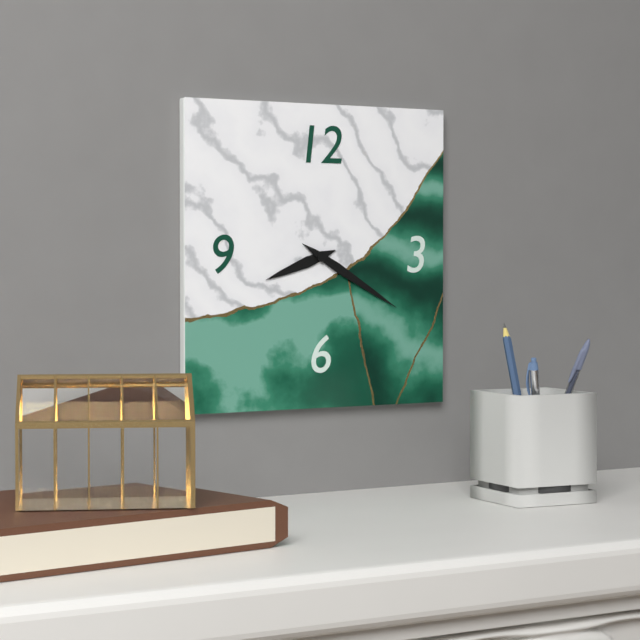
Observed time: 8.20
